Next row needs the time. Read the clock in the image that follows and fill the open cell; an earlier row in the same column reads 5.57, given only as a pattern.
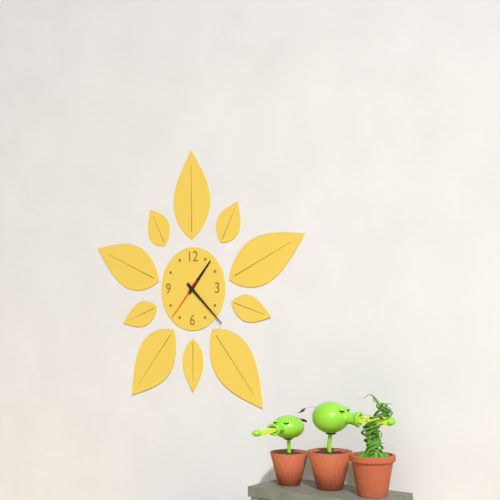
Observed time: 1.22
